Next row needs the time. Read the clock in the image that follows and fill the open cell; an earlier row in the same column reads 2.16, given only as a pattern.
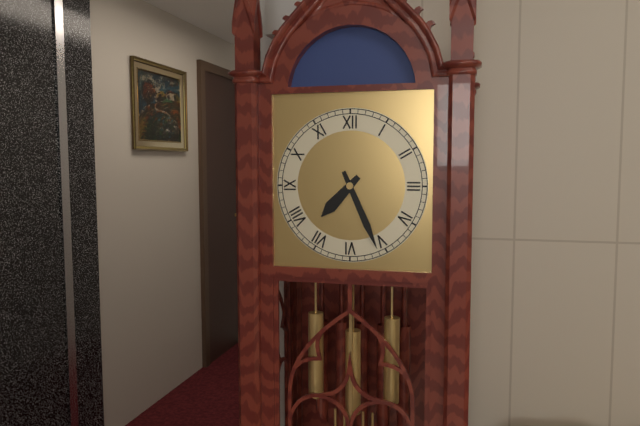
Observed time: 7.26
